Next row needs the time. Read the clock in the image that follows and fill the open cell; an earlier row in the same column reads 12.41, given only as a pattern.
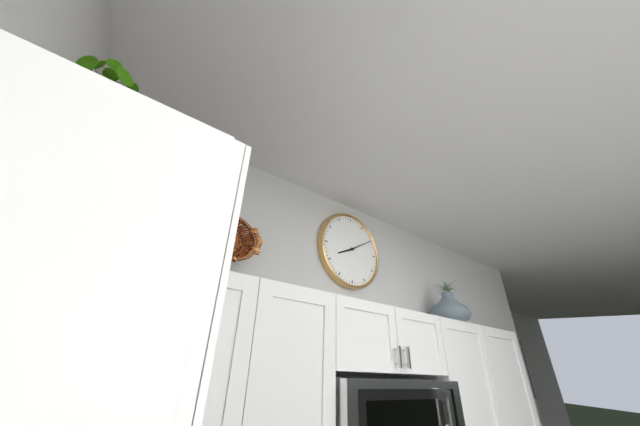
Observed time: 8.10
